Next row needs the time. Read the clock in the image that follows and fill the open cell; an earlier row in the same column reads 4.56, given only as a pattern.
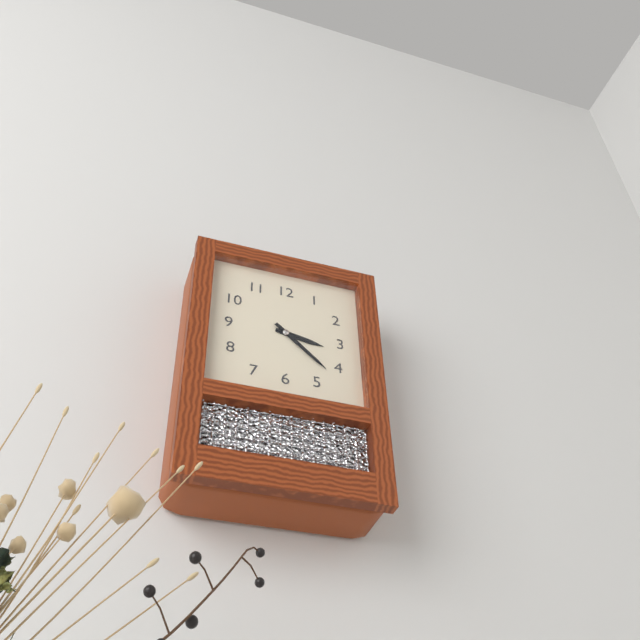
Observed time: 3.22
